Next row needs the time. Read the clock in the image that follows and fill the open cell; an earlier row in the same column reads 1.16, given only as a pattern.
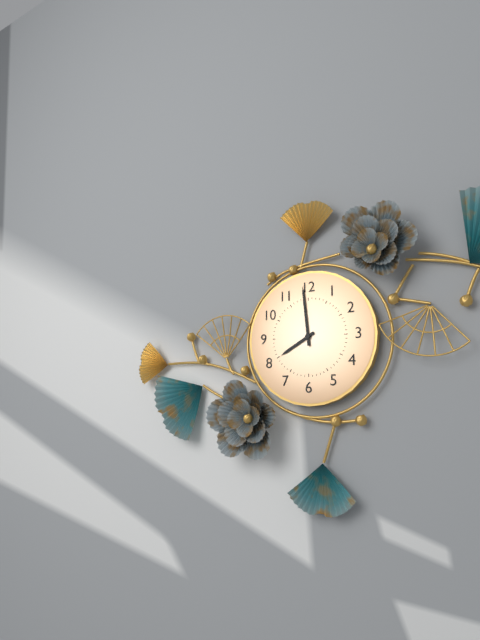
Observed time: 7.59
